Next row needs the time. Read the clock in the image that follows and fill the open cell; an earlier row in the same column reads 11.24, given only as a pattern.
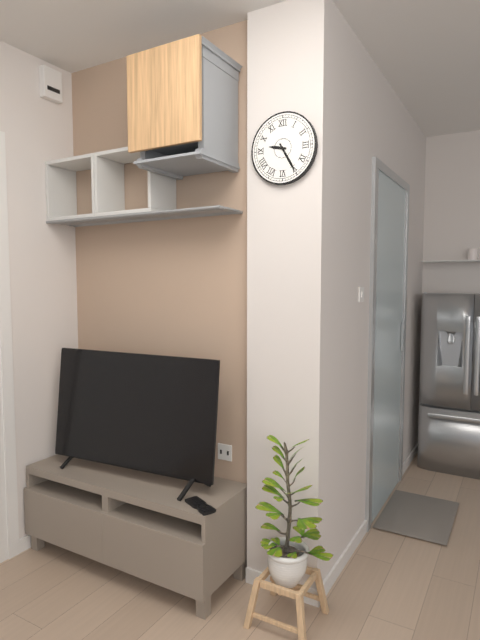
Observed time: 9.25
